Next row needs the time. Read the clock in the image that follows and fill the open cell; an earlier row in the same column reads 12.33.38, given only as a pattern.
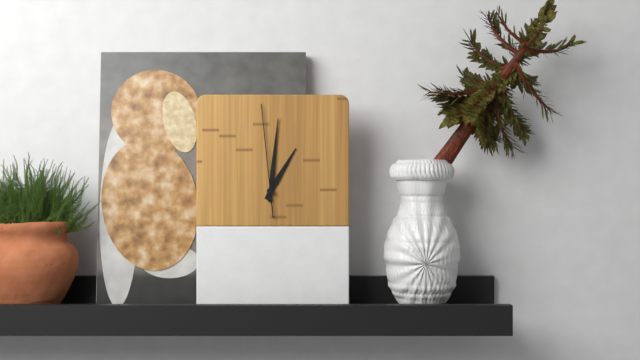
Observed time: 1.01.59
